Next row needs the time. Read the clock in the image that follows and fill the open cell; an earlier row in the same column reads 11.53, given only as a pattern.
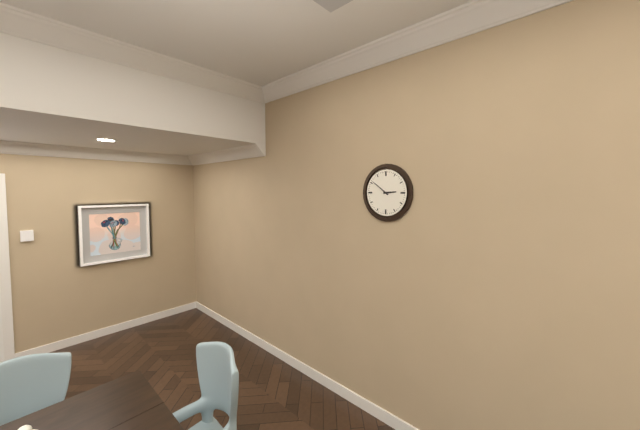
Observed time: 2.51
